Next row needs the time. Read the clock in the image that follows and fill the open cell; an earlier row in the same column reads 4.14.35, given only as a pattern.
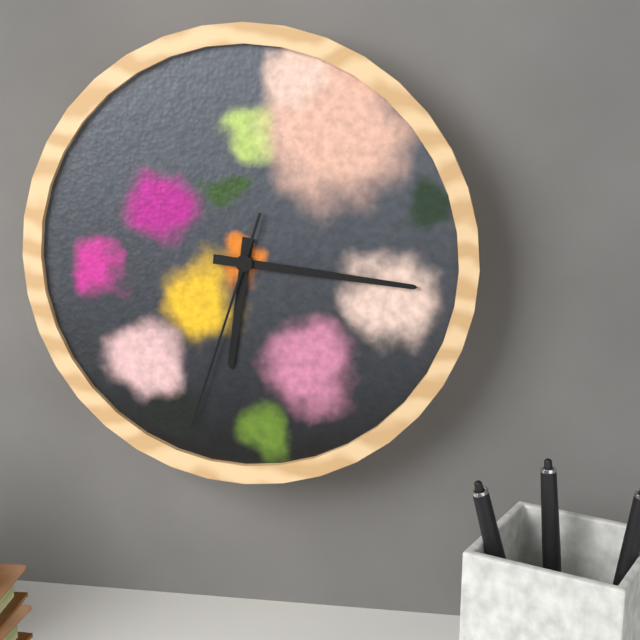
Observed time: 6.16.33
